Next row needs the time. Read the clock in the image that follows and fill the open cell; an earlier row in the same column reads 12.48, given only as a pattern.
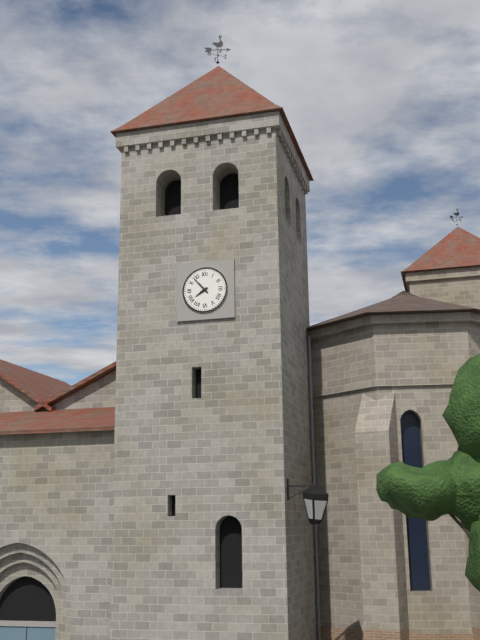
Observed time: 7.53
